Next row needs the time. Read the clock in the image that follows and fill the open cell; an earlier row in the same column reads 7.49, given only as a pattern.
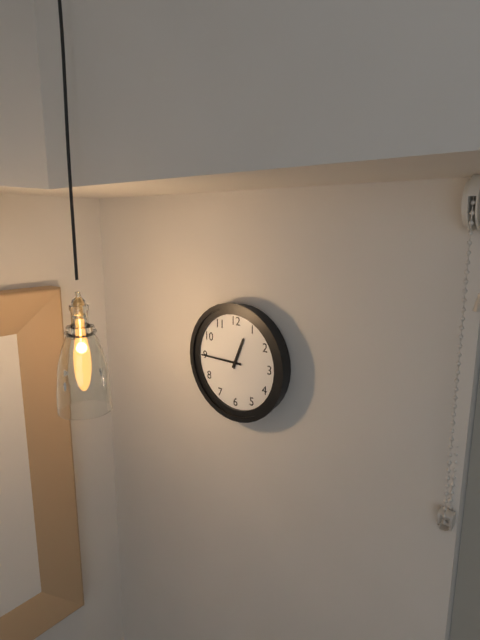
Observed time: 12.45
